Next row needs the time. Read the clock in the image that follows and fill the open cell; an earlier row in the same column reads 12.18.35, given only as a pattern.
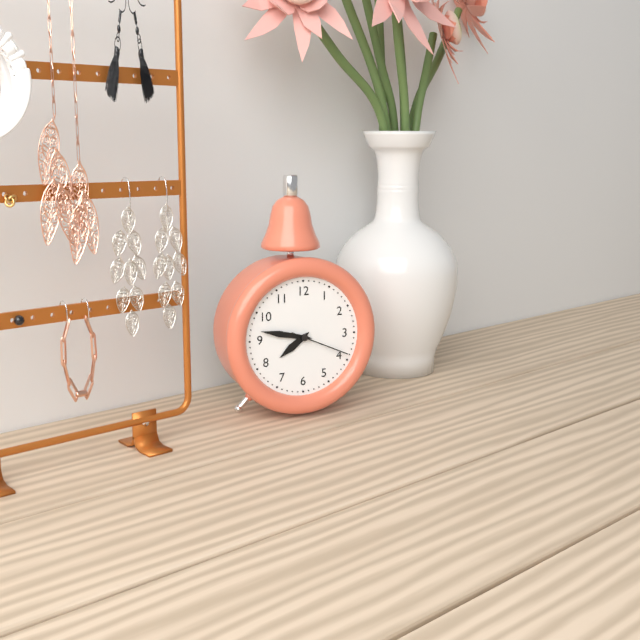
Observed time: 7.47.19
